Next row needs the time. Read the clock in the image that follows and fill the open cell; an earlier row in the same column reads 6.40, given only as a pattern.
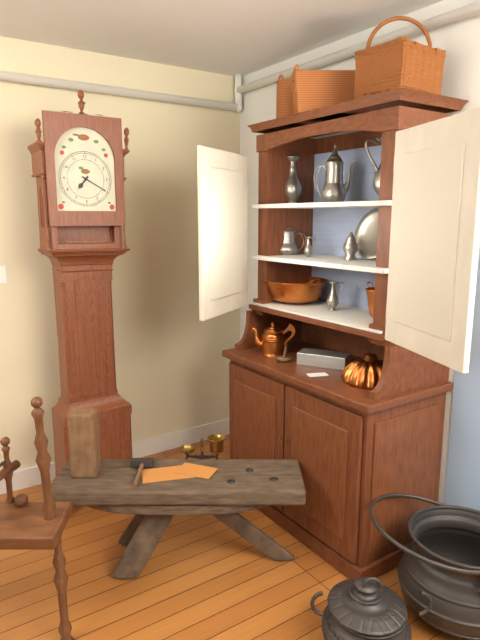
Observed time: 7.20
